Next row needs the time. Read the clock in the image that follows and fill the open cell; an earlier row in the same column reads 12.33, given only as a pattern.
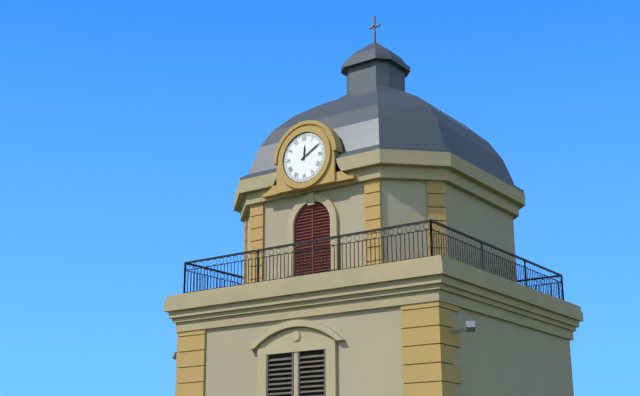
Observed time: 12.10
